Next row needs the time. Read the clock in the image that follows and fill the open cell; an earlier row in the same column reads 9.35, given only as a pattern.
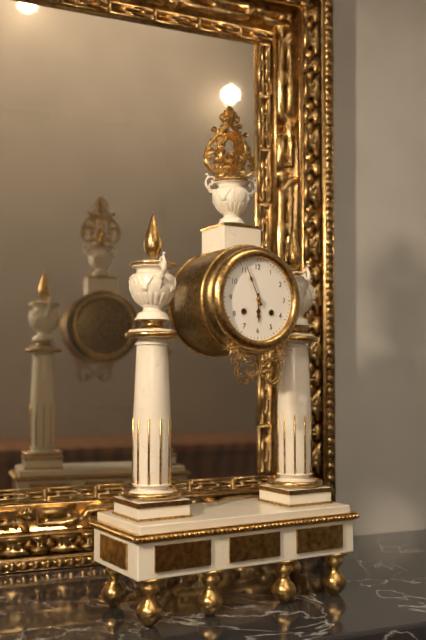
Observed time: 5.56
